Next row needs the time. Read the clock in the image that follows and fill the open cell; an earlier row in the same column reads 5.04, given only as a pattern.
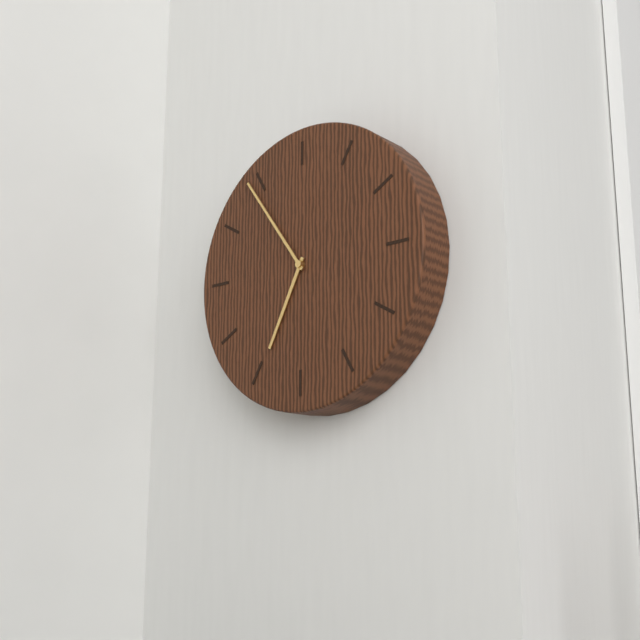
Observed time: 6.54
